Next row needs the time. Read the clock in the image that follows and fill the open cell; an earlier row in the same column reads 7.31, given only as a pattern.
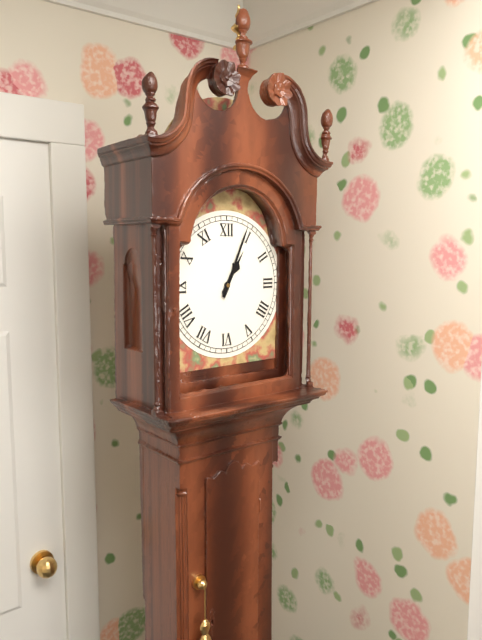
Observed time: 1.04
